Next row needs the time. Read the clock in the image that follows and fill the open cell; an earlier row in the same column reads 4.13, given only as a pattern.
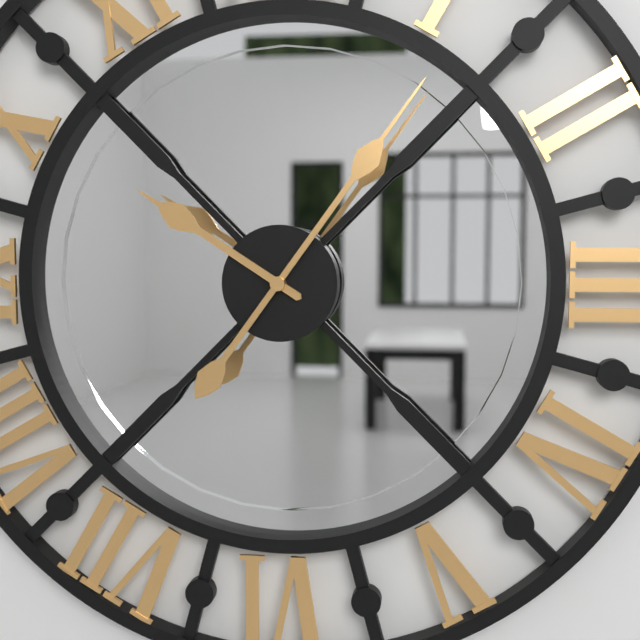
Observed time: 10.06
